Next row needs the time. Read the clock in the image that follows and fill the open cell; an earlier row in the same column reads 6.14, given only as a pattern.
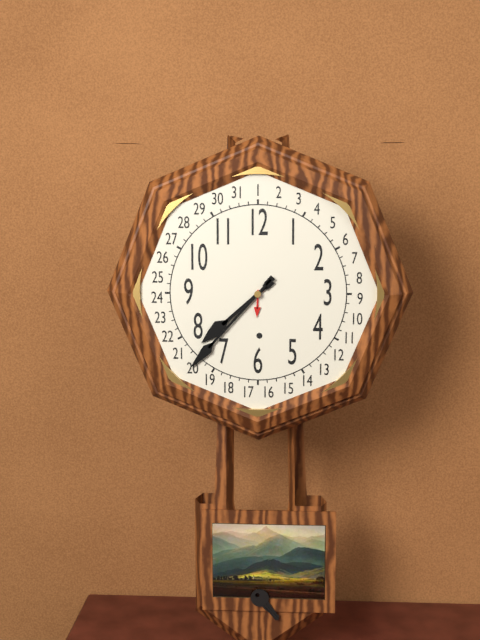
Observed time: 7.37
